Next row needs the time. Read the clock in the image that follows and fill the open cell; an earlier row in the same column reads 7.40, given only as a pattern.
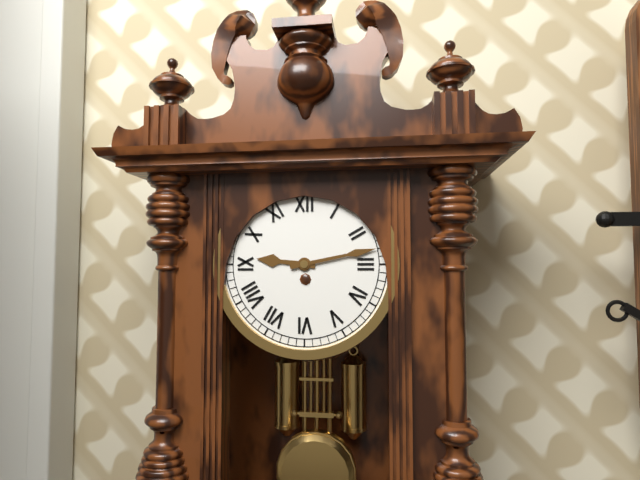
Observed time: 9.13
